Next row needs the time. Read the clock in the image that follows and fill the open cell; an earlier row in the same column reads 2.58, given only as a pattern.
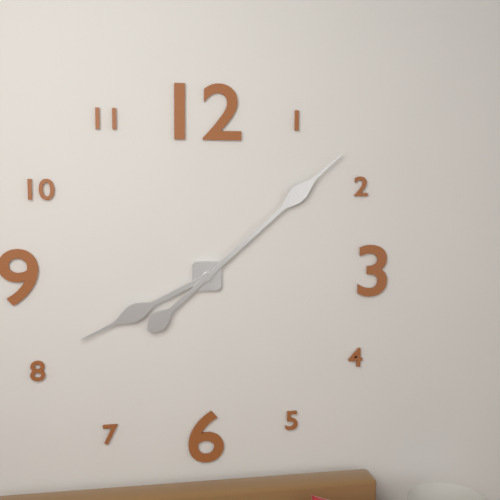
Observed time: 8.08
